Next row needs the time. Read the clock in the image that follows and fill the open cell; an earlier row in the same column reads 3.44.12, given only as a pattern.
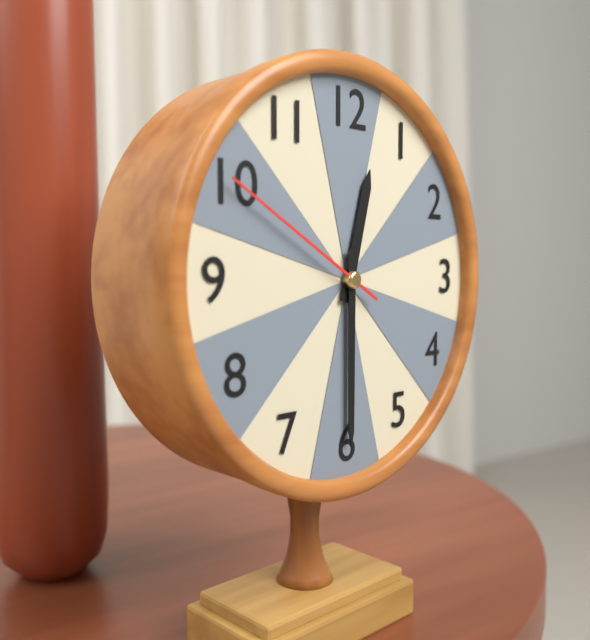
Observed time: 12.30.50
